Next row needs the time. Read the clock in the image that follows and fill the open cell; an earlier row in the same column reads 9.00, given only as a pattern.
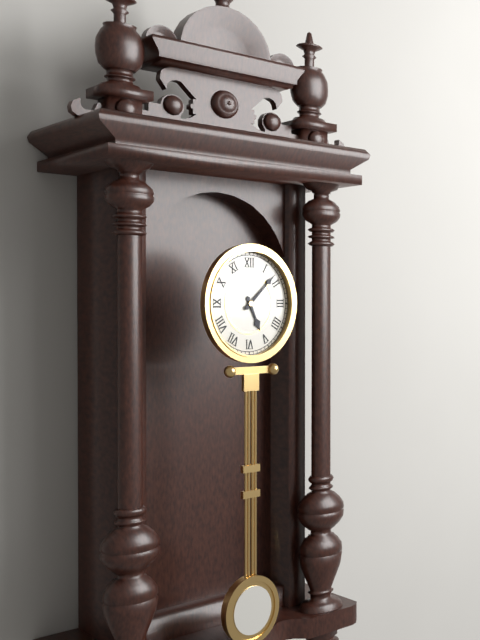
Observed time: 5.08
